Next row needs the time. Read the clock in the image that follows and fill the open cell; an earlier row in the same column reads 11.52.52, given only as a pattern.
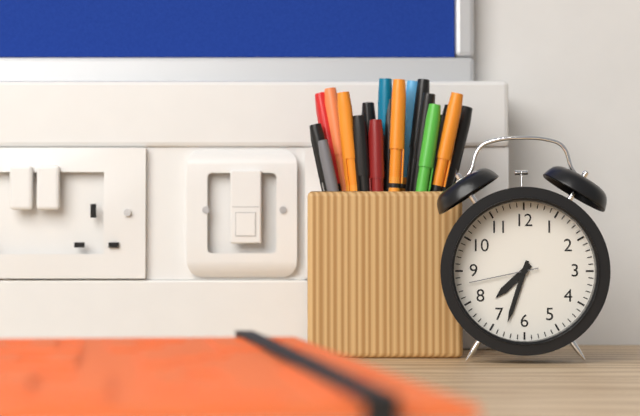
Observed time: 7.33.43
